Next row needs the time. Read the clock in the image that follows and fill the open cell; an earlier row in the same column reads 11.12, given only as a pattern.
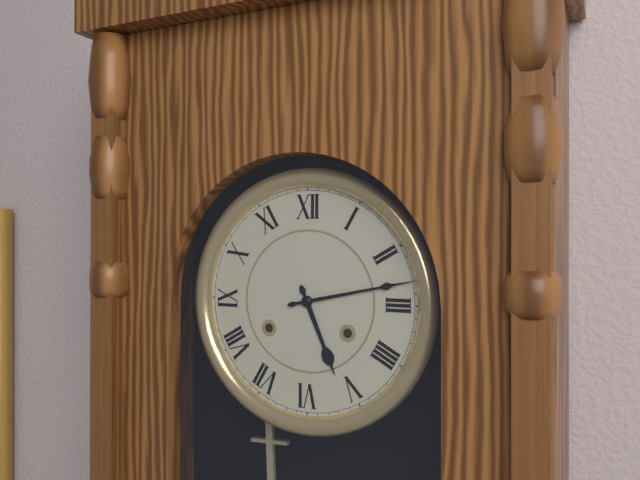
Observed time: 5.13
